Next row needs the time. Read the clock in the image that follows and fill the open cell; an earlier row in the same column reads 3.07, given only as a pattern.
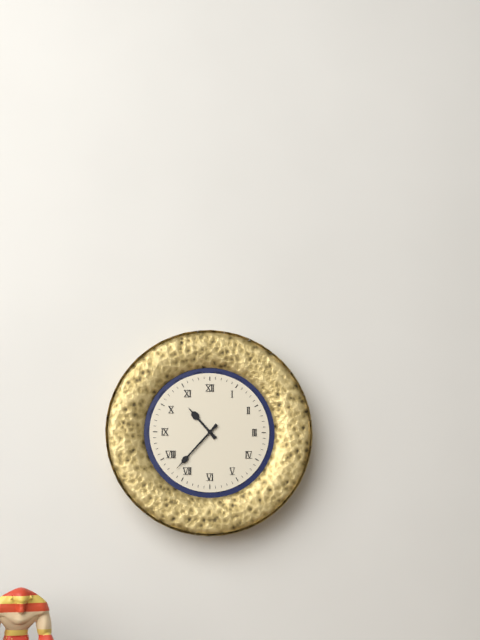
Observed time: 10.37
